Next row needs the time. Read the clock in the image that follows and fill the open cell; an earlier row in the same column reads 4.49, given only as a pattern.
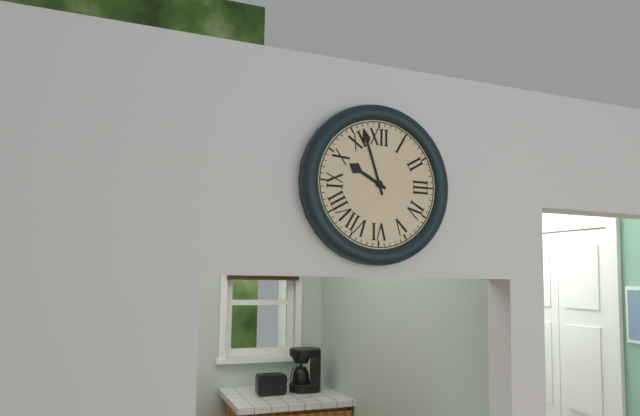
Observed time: 9.57
